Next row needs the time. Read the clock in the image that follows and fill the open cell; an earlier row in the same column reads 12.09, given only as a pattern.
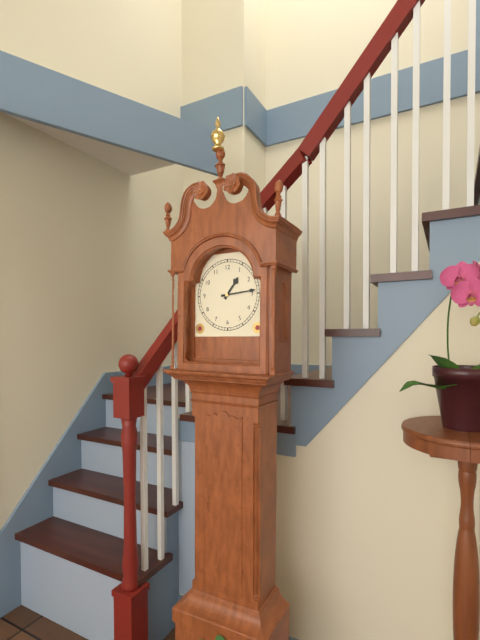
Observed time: 1.14
